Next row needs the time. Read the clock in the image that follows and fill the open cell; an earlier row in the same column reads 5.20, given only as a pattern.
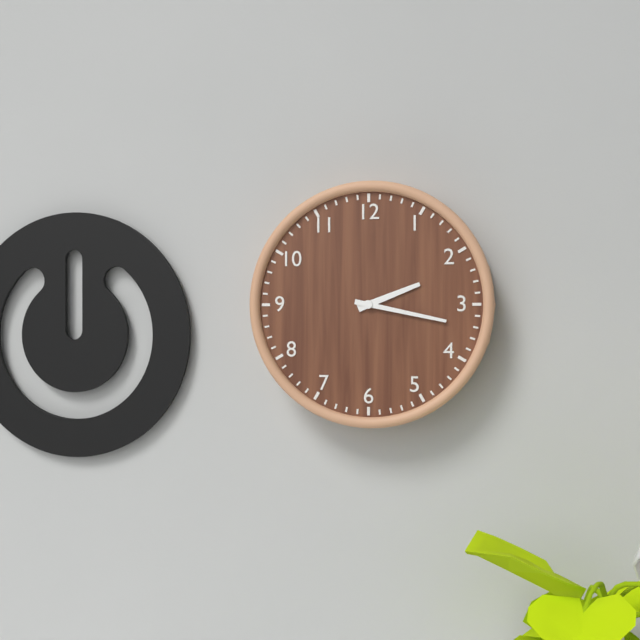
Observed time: 2.17
